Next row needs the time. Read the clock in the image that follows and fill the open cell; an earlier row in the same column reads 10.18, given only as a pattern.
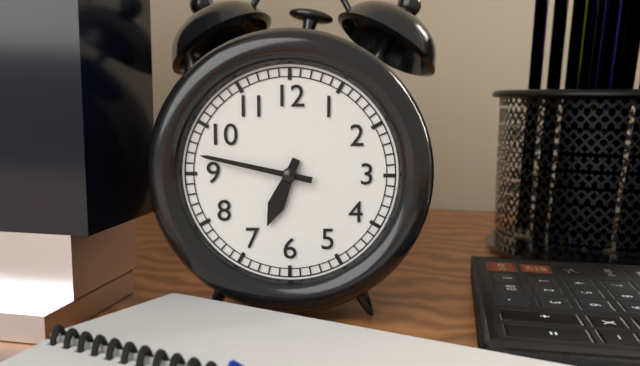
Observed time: 6.47
